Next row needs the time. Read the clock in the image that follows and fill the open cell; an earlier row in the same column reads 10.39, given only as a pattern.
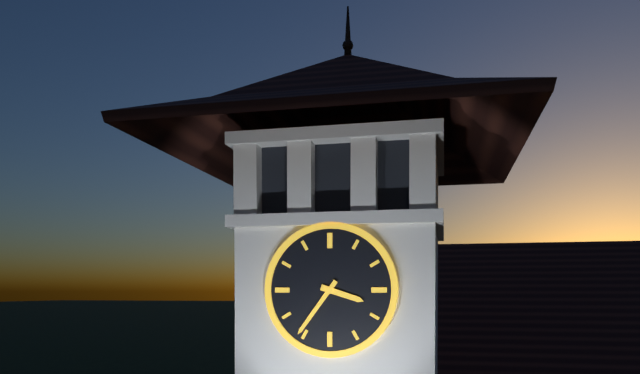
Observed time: 3.36
